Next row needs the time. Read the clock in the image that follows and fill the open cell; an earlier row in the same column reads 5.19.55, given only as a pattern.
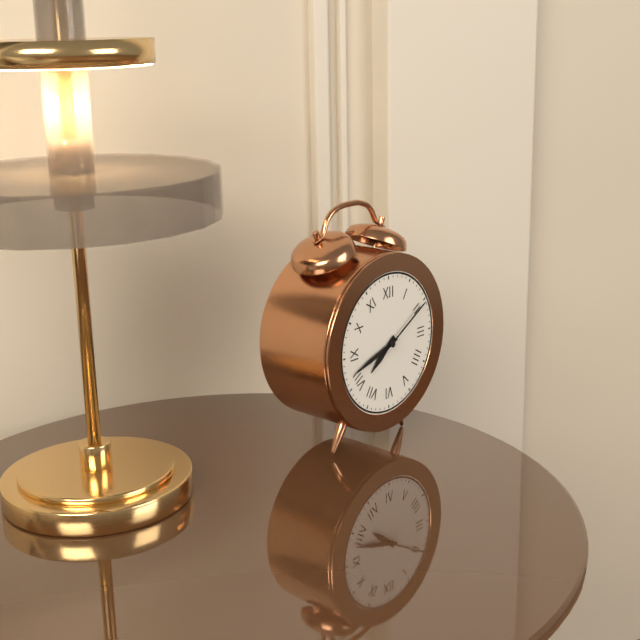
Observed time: 7.42.10
